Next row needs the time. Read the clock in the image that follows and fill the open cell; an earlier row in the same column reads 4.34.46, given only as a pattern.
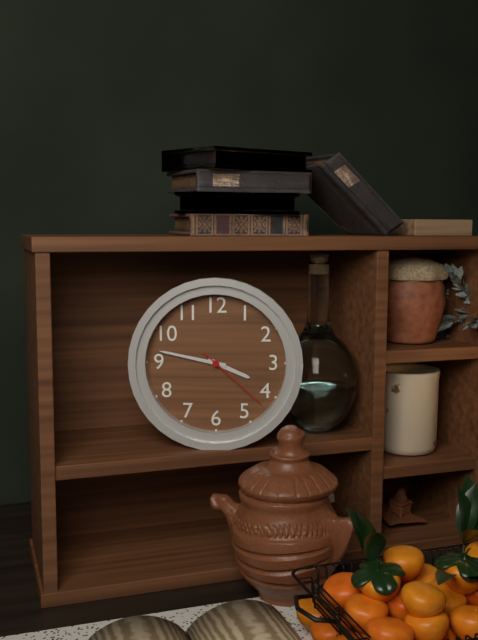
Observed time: 3.47.22
